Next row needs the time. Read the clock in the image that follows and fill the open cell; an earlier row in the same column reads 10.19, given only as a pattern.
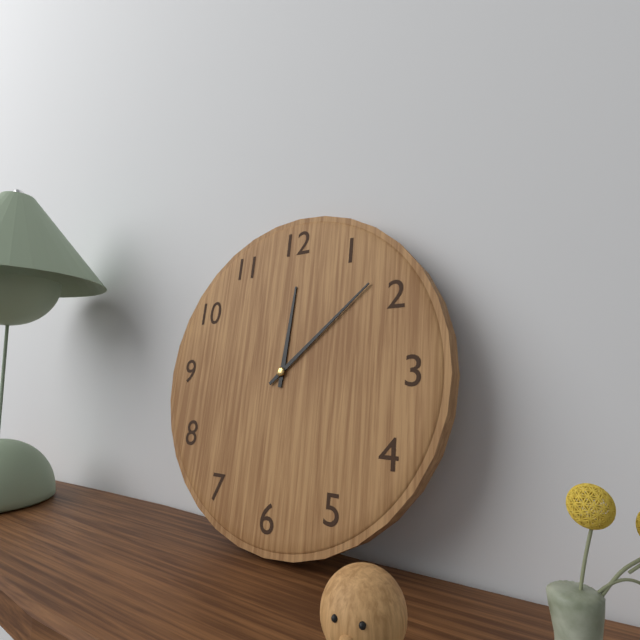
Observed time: 12.08
